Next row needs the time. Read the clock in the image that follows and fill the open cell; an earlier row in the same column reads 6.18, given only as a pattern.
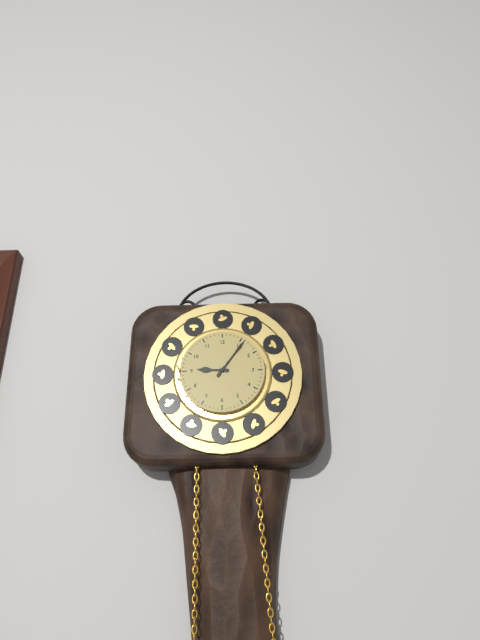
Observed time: 9.06
